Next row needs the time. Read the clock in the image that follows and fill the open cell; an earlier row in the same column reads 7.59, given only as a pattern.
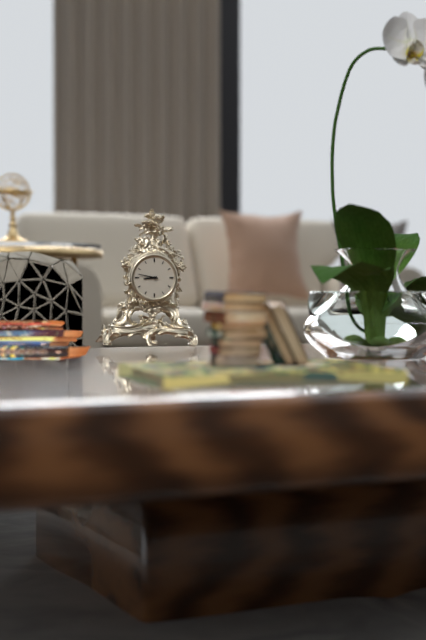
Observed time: 8.47
